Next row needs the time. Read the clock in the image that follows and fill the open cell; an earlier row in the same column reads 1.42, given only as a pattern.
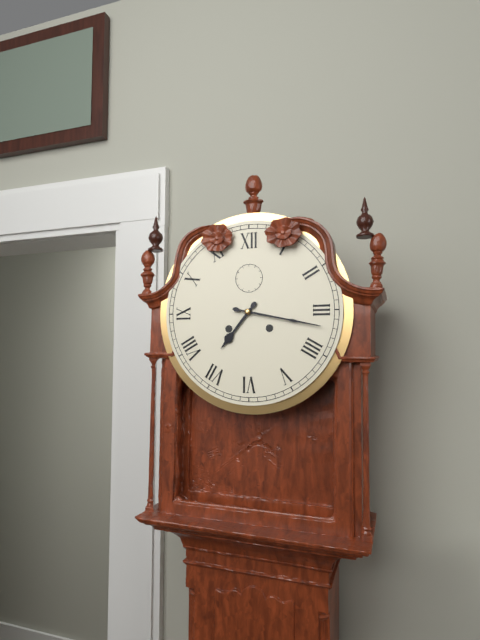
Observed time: 7.17
